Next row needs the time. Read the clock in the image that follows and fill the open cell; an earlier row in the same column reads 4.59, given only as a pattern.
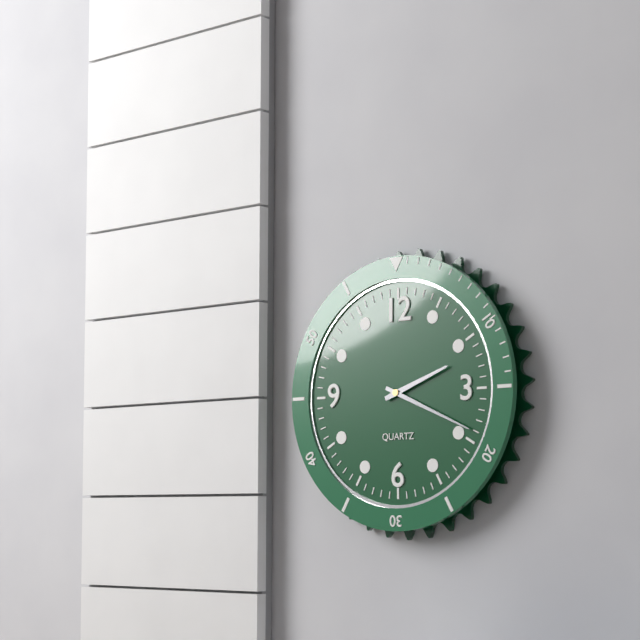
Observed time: 2.19
